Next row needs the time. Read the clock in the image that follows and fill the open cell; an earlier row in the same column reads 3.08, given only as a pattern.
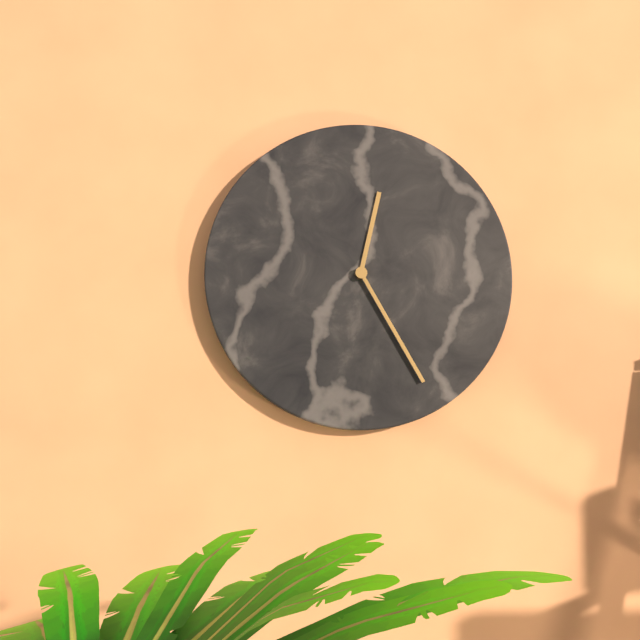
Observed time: 12.25
